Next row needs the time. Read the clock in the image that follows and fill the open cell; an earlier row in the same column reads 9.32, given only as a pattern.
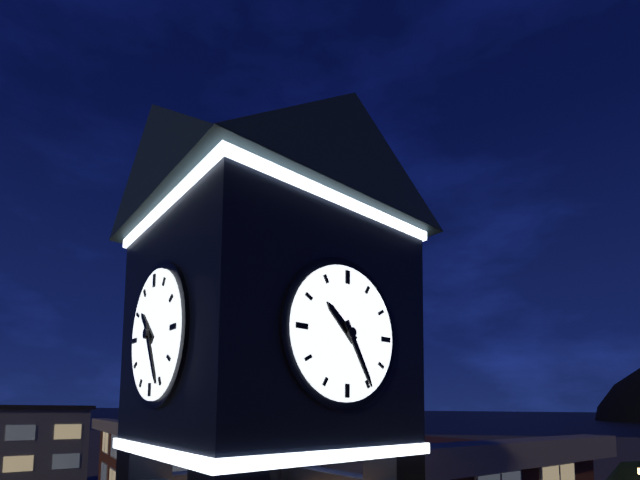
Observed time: 10.25
